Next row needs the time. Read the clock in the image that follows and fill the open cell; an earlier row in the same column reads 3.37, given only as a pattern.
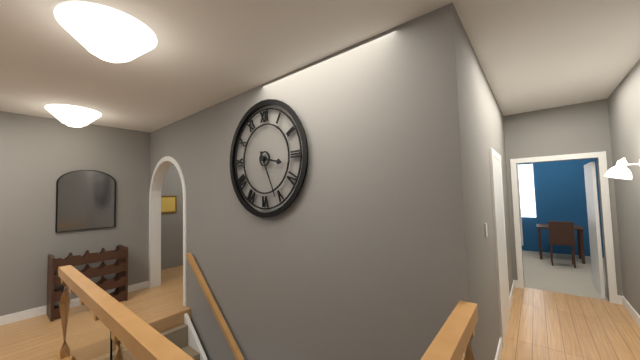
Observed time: 3.26
